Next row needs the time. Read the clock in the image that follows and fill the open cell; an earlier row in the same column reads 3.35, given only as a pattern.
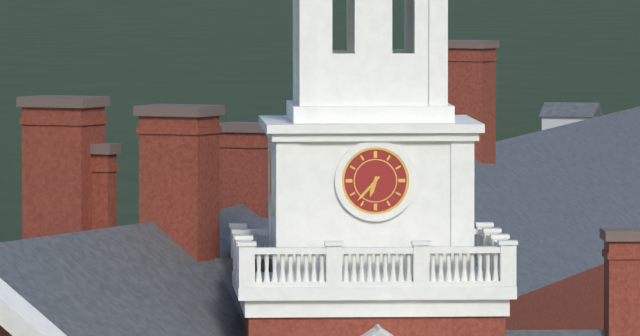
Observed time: 6.37
